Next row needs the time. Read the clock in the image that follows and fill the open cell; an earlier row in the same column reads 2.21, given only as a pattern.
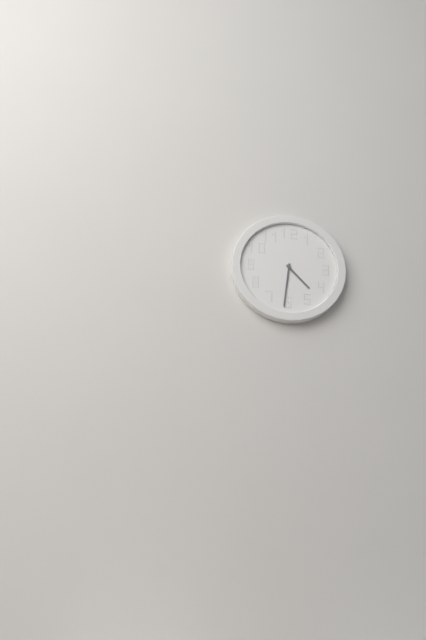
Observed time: 4.31
